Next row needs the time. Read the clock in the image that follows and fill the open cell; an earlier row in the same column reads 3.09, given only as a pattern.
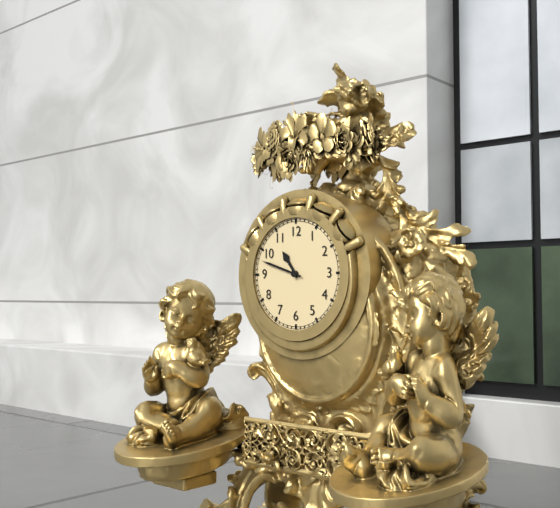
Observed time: 10.48
